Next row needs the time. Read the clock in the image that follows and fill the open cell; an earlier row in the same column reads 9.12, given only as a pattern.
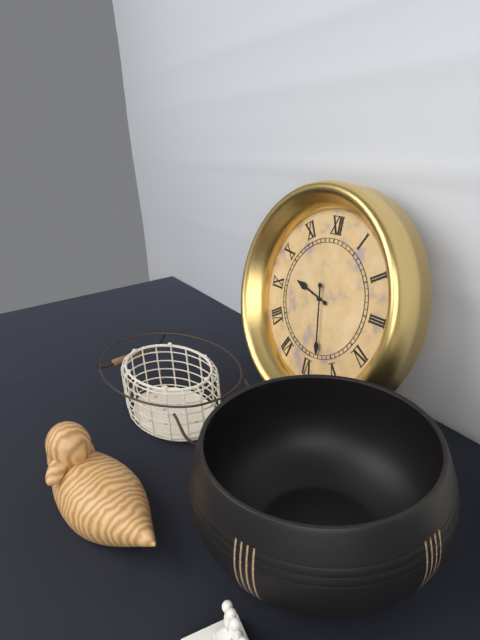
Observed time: 9.28
